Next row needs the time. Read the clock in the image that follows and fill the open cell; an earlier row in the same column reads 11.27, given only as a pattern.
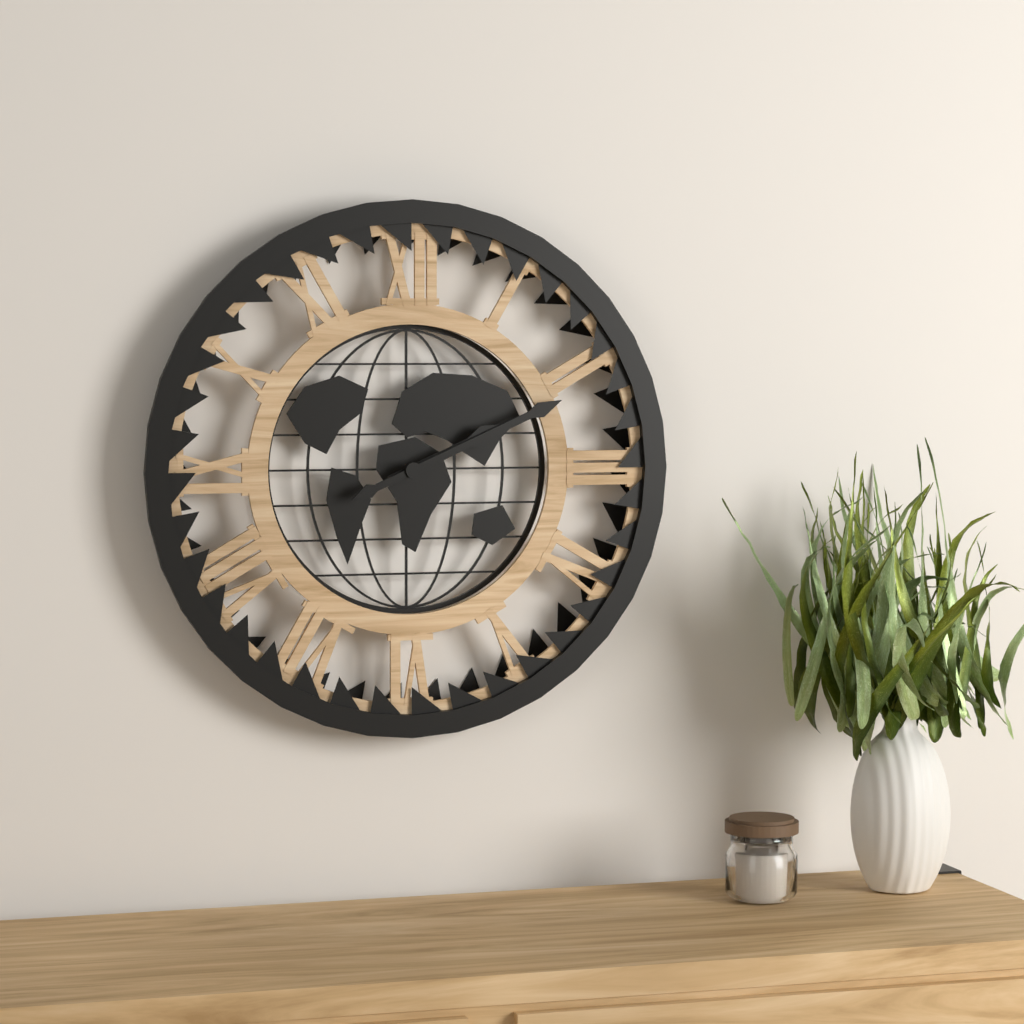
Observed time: 2.11
